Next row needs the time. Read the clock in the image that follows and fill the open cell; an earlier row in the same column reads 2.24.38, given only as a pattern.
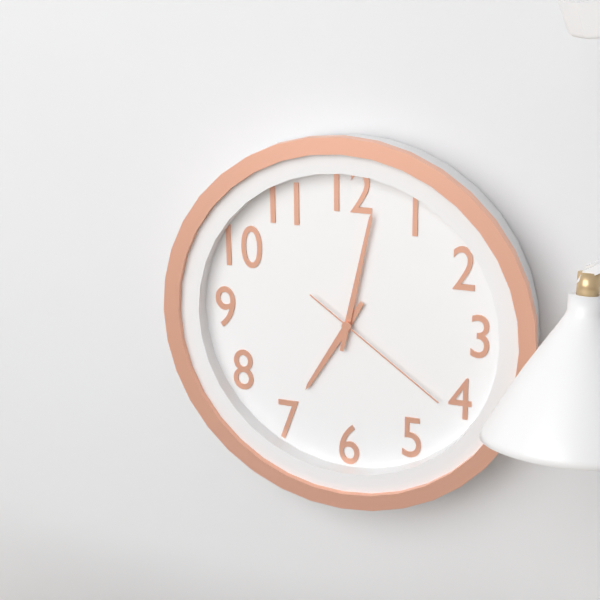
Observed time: 7.02.21
